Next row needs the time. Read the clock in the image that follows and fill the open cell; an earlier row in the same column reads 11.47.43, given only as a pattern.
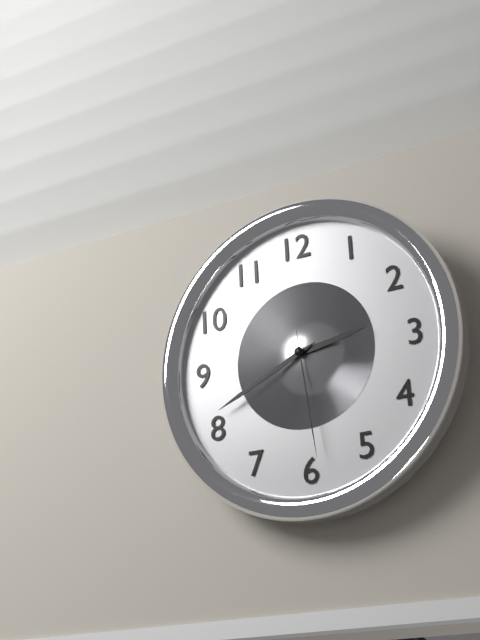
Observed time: 2.41.29
